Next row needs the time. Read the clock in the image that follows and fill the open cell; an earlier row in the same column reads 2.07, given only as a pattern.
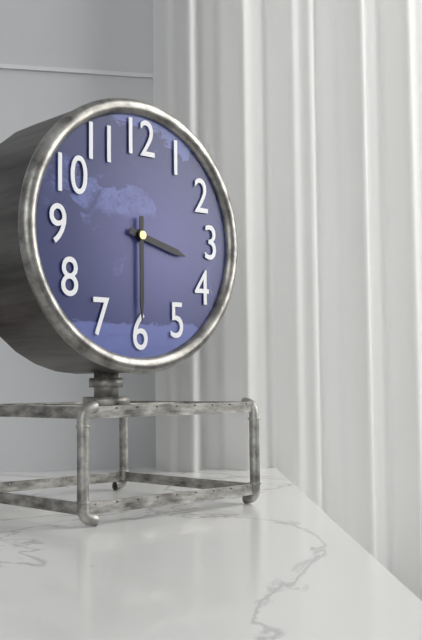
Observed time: 3.30
